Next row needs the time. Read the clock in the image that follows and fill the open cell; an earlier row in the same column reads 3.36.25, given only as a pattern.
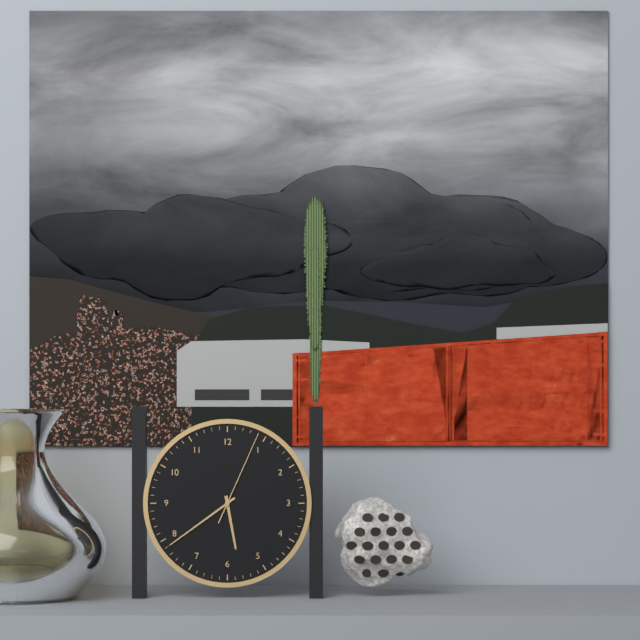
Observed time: 5.39.04
